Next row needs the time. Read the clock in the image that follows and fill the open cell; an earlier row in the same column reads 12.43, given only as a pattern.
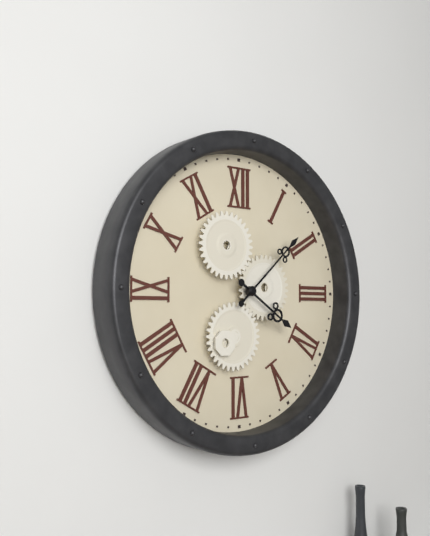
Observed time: 4.08
